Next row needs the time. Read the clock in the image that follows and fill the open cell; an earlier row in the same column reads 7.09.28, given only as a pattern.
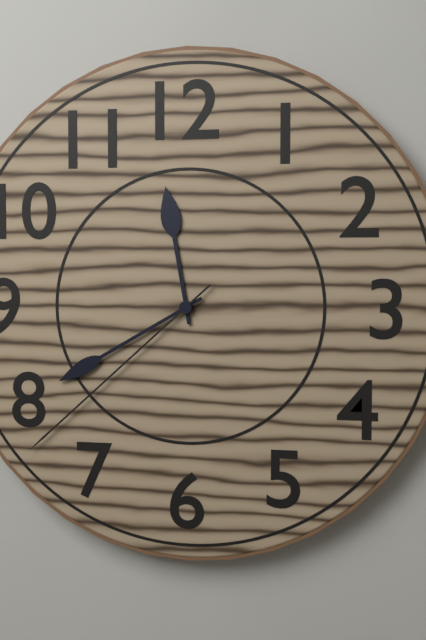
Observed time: 11.40.38
